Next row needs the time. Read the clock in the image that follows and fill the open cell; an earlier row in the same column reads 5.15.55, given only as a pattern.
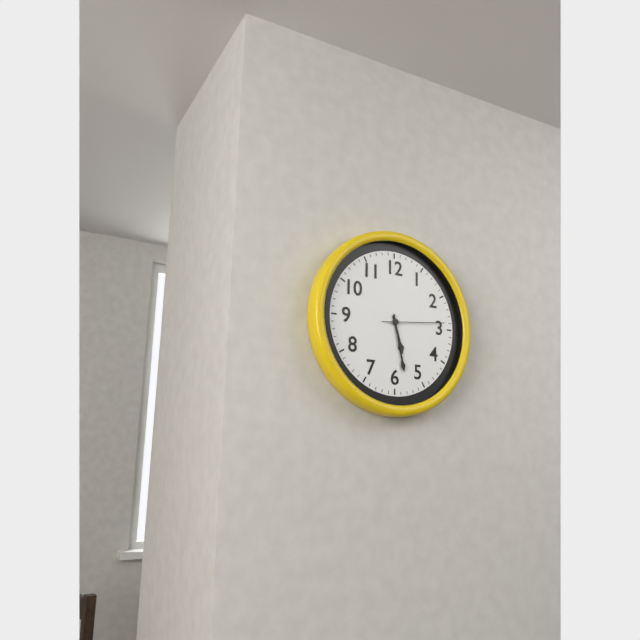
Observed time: 5.28.14
